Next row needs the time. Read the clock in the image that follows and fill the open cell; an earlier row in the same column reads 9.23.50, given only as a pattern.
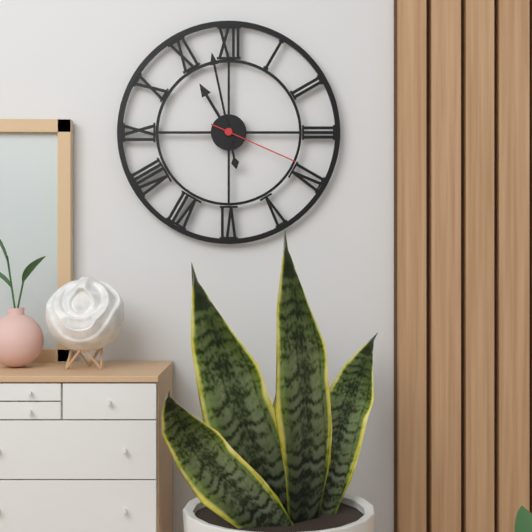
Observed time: 10.58.19
